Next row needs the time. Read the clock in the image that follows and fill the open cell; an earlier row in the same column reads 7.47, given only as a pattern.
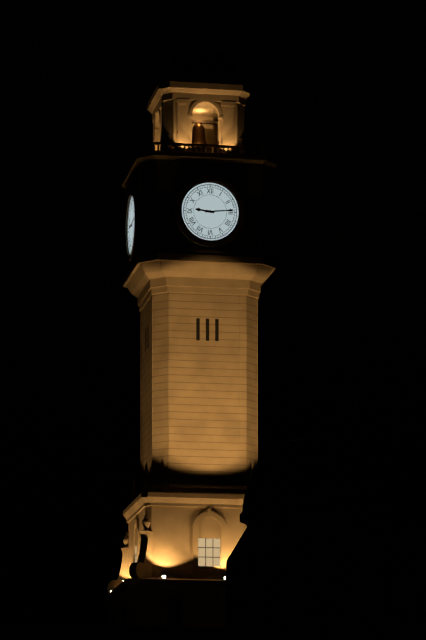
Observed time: 9.14
